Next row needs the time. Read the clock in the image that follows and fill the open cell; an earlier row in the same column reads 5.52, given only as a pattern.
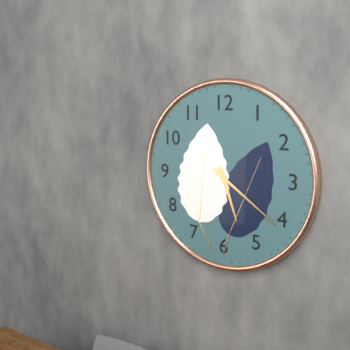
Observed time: 5.21
